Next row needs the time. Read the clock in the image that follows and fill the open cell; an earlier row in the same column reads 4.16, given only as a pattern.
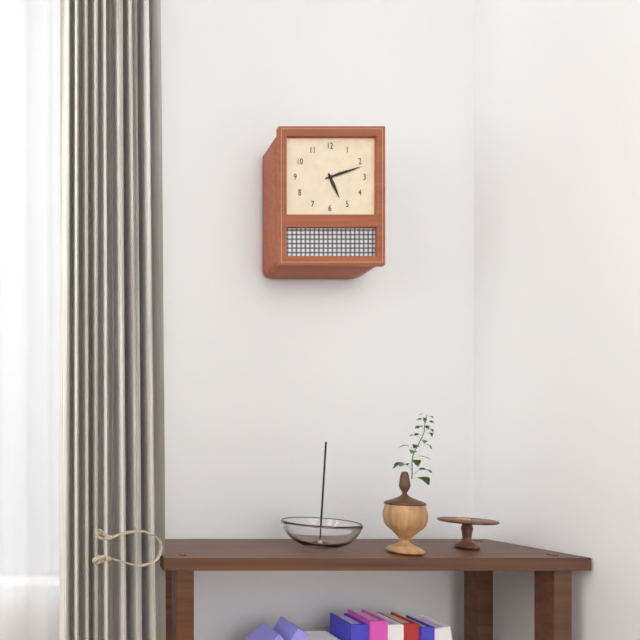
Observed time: 5.12
